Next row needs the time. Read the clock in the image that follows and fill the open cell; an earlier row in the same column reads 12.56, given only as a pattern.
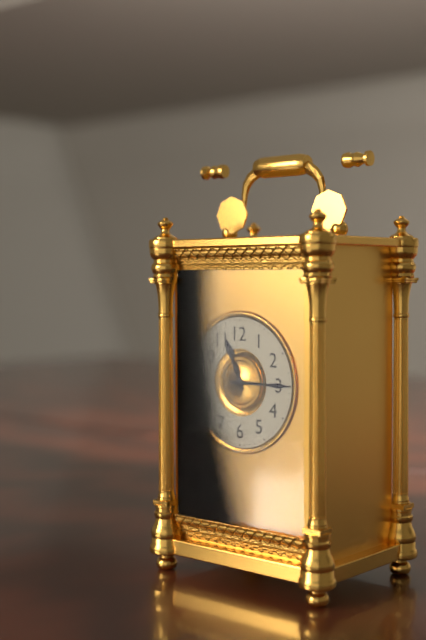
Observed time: 11.15
